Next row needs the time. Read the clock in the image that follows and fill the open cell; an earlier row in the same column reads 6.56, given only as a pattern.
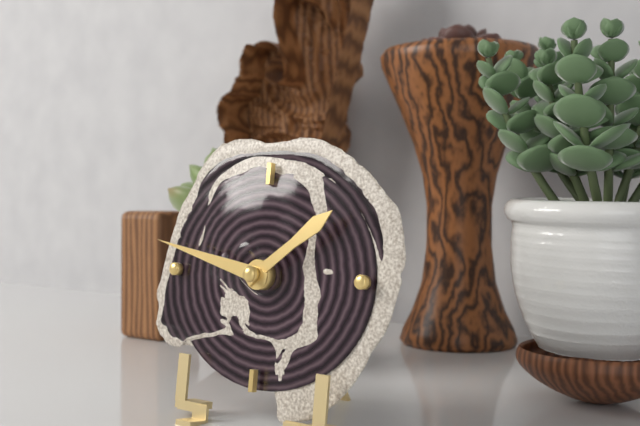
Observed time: 1.47
